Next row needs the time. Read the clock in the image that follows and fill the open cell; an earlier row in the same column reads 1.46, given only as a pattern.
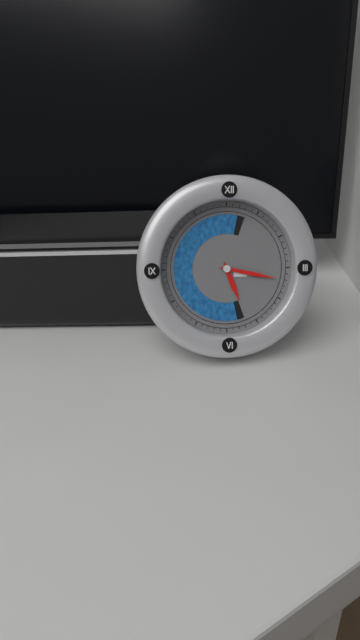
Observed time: 5.17
